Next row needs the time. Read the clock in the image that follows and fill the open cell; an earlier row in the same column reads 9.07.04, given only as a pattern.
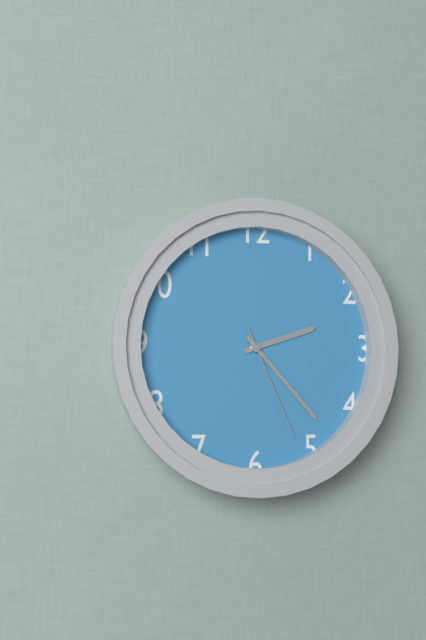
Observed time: 2.23.26
